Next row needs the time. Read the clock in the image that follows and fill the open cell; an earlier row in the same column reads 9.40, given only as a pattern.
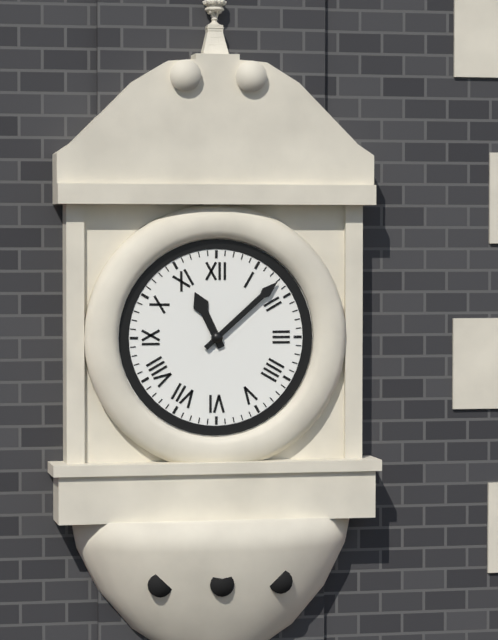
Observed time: 11.08
